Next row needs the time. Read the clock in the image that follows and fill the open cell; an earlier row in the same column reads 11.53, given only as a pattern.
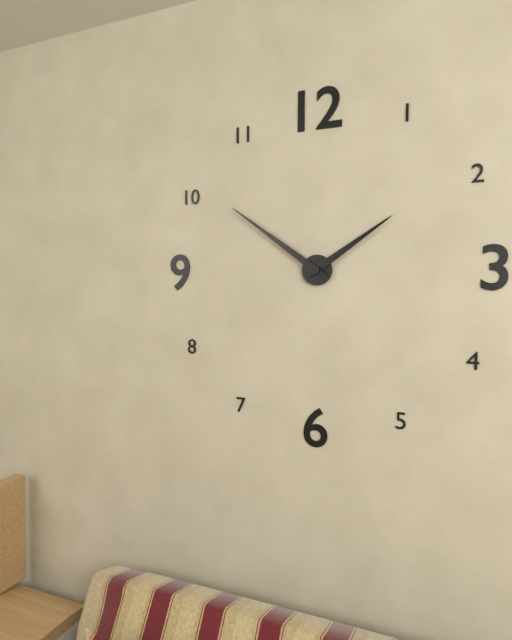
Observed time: 1.51
